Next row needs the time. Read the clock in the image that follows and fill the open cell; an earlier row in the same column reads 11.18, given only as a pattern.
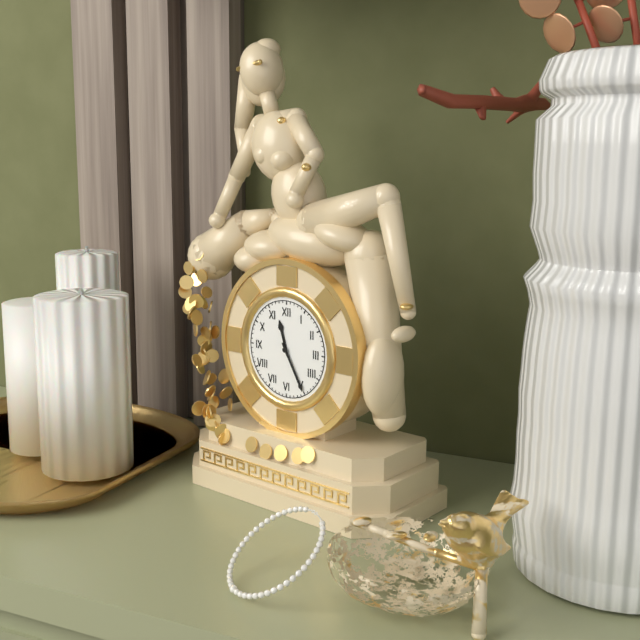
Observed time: 11.25
